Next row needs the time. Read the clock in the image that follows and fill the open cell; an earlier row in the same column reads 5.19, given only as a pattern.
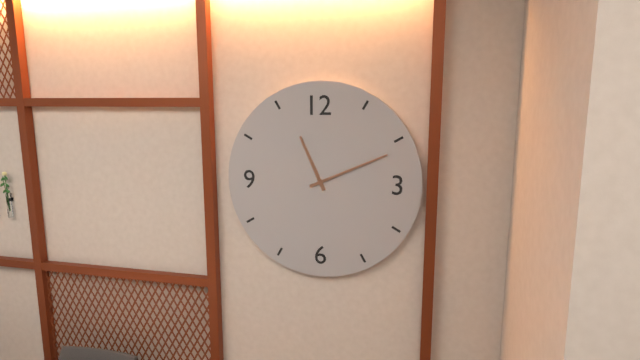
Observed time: 11.11
